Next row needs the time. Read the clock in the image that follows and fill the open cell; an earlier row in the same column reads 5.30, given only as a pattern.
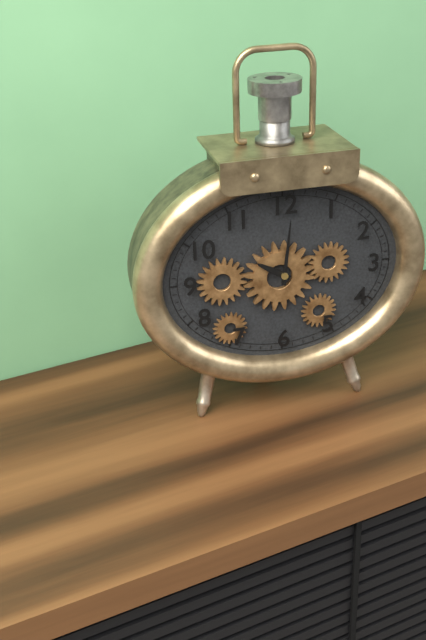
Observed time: 10.01
